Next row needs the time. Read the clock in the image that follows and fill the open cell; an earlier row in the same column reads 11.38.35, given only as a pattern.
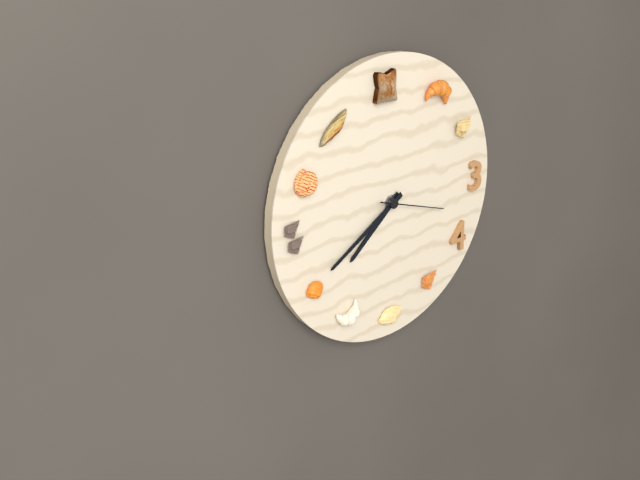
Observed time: 7.40.18
